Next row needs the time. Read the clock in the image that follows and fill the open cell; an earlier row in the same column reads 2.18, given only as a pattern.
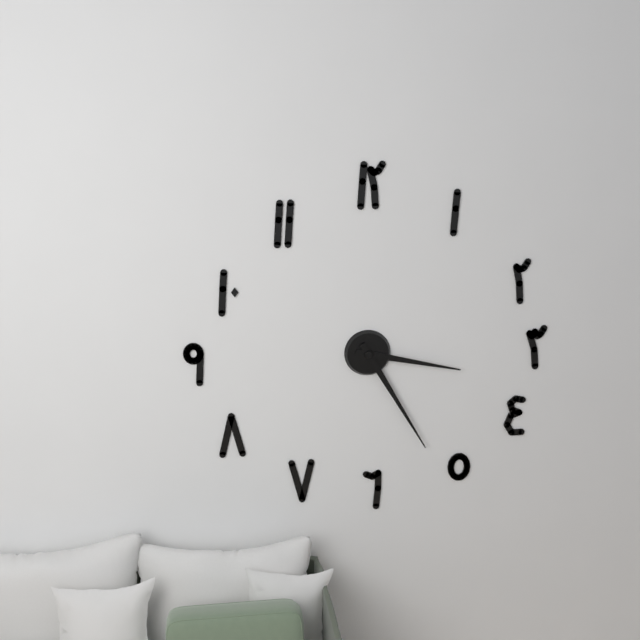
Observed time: 3.25
